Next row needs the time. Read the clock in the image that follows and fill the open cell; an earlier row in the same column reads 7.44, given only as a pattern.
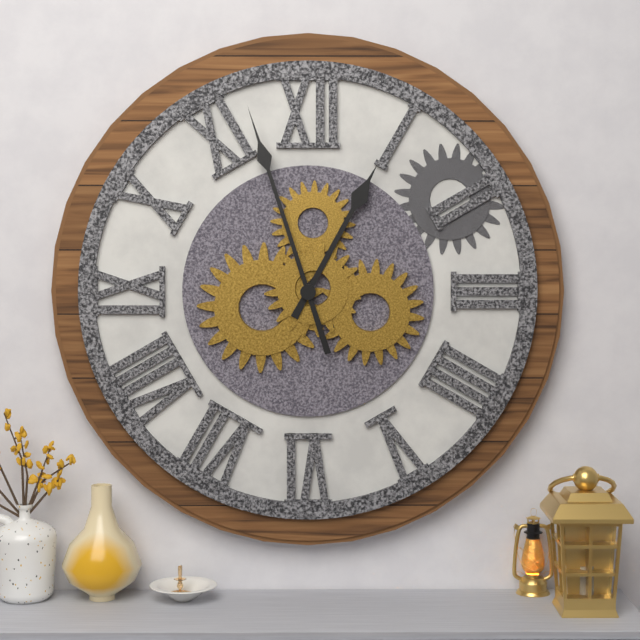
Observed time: 12.57
